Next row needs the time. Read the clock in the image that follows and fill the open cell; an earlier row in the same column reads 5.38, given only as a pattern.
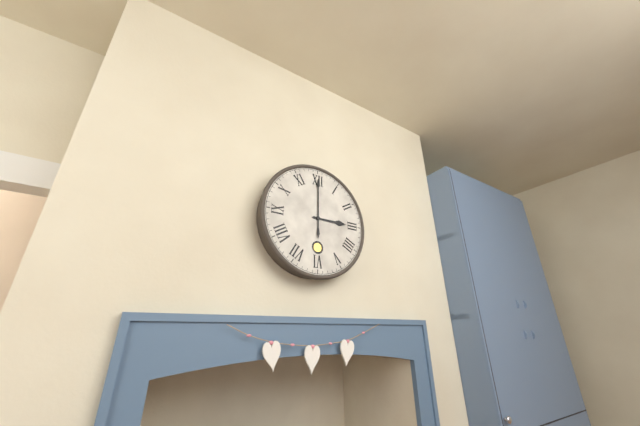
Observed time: 3.00
